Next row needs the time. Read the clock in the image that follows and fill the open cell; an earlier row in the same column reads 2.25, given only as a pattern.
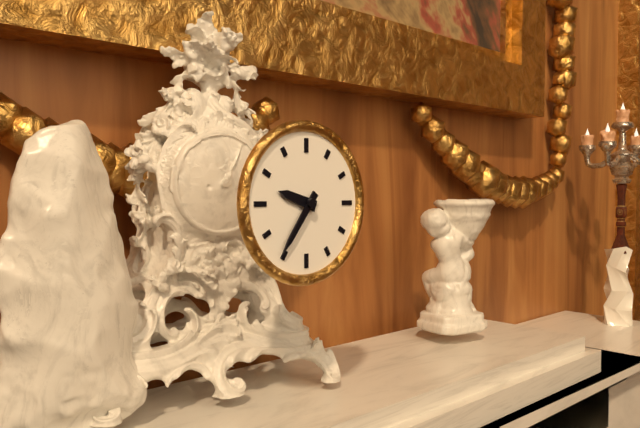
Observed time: 9.36
